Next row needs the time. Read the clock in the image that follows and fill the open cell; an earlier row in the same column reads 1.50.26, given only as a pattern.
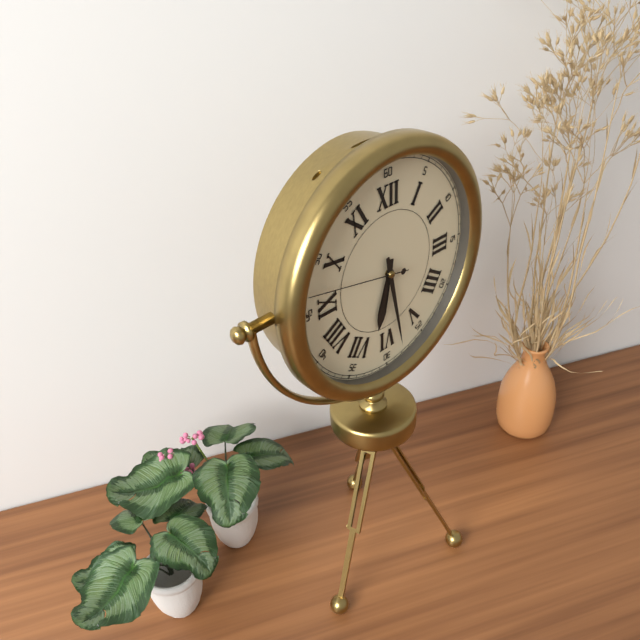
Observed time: 6.28.47
